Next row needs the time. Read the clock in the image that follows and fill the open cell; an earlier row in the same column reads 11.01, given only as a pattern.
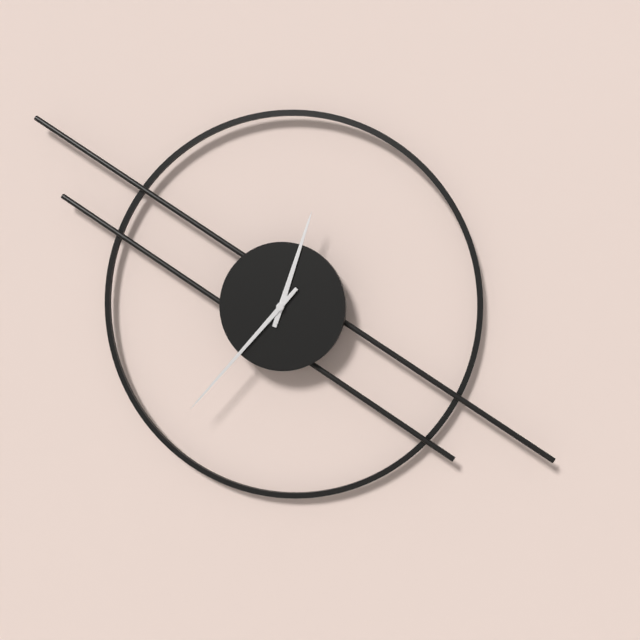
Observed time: 12.37
